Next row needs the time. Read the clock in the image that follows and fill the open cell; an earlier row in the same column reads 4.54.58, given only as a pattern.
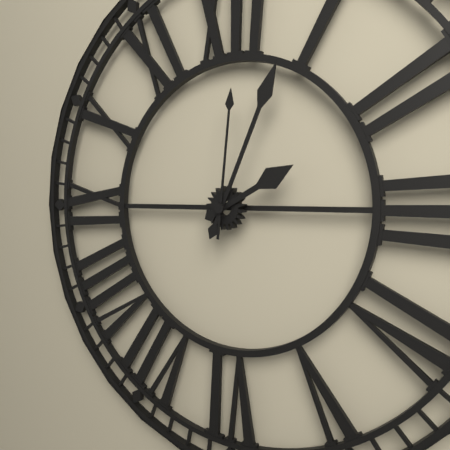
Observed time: 2.04.01
